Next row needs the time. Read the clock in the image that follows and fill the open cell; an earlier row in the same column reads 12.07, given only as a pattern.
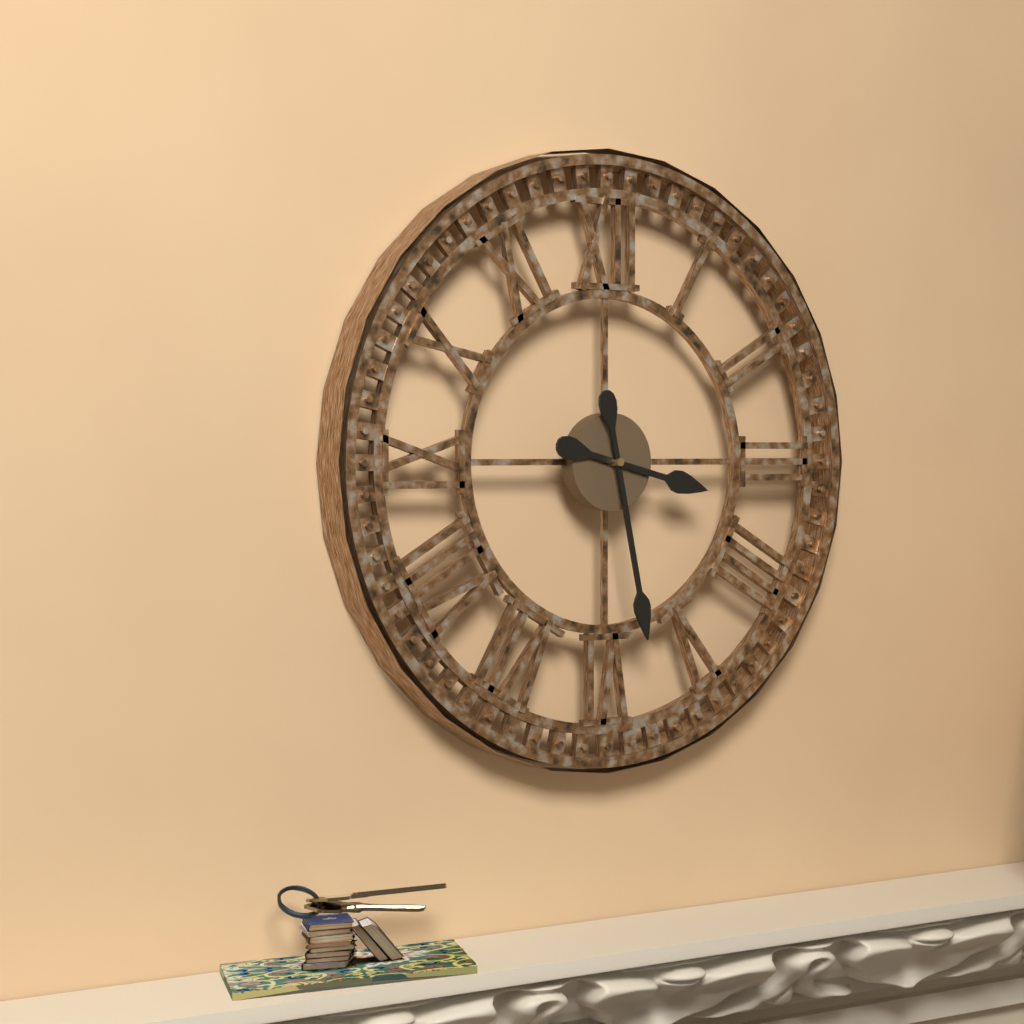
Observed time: 3.28
